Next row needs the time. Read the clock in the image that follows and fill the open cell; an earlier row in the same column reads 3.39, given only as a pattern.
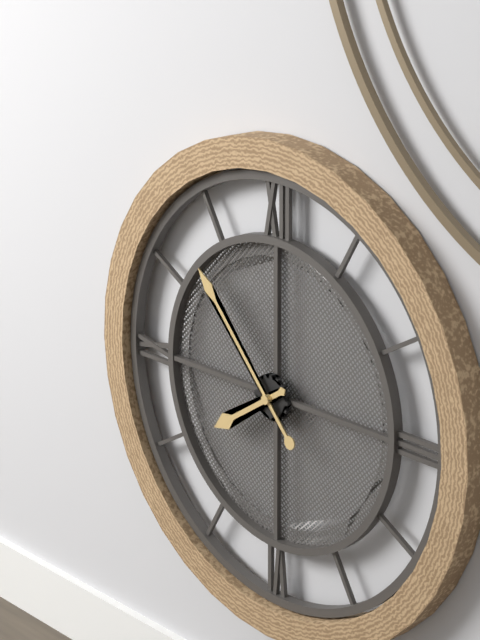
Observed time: 7.53
